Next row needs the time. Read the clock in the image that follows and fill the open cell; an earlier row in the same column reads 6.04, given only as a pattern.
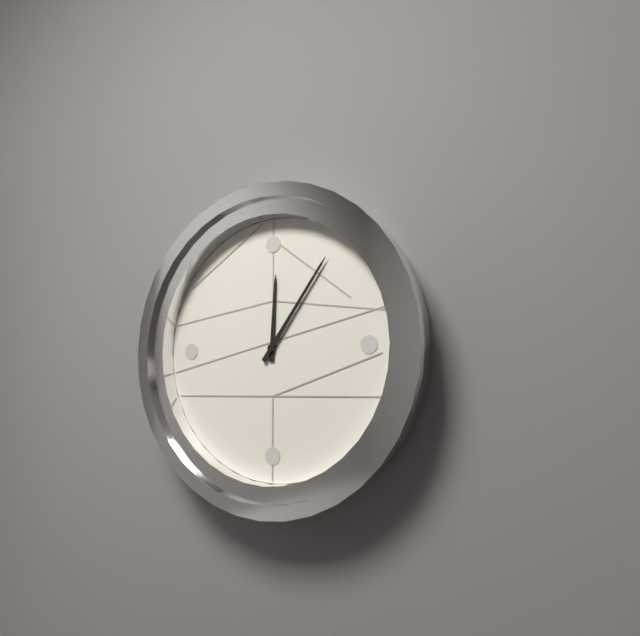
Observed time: 12.06
